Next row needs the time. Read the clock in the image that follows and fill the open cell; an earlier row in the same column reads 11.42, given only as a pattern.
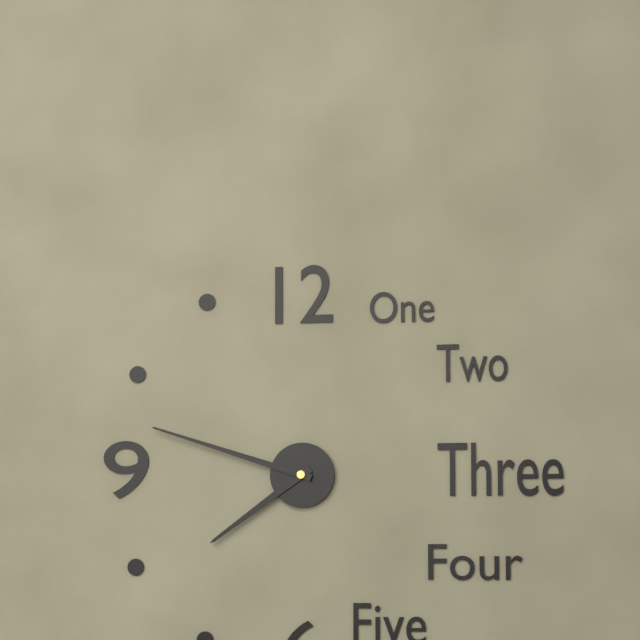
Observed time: 7.48
